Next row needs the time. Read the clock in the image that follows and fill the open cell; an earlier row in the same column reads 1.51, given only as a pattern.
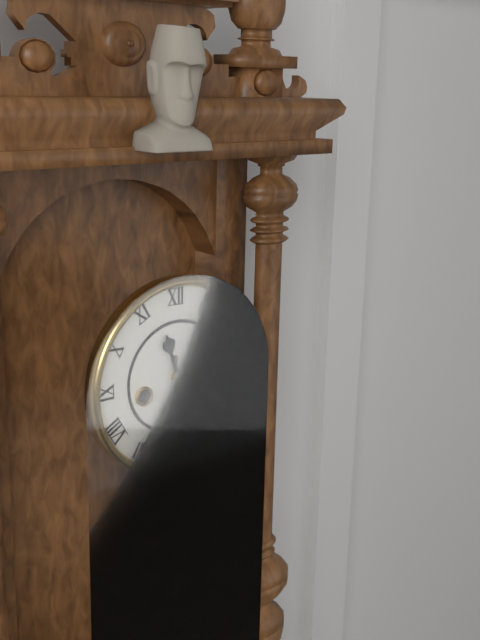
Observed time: 11.28
